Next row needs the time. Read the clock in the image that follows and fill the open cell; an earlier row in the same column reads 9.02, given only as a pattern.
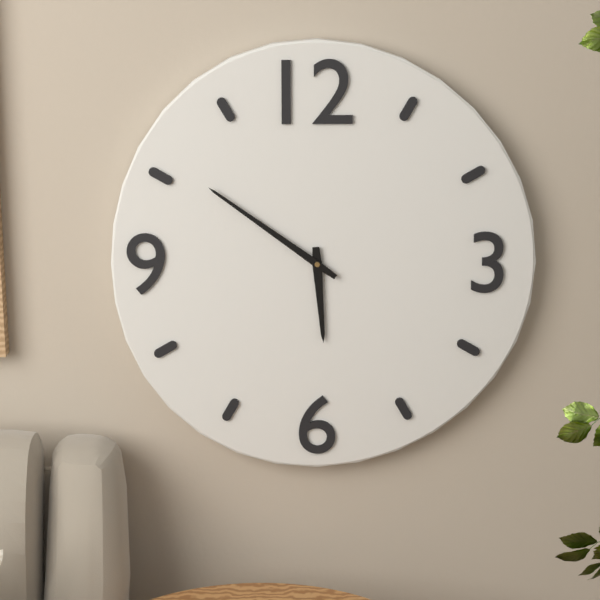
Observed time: 5.51
